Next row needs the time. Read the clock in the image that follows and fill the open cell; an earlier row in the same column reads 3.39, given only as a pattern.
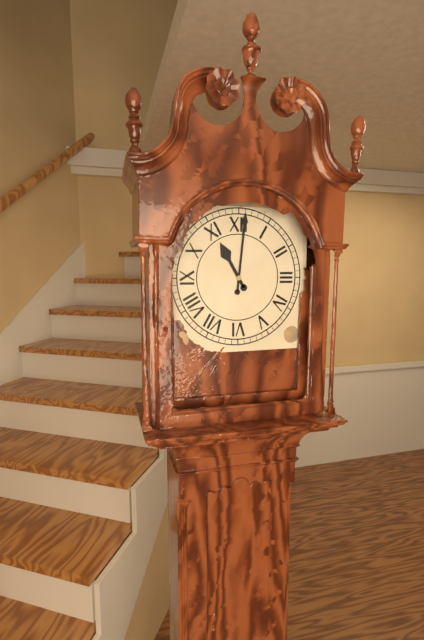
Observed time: 11.01
